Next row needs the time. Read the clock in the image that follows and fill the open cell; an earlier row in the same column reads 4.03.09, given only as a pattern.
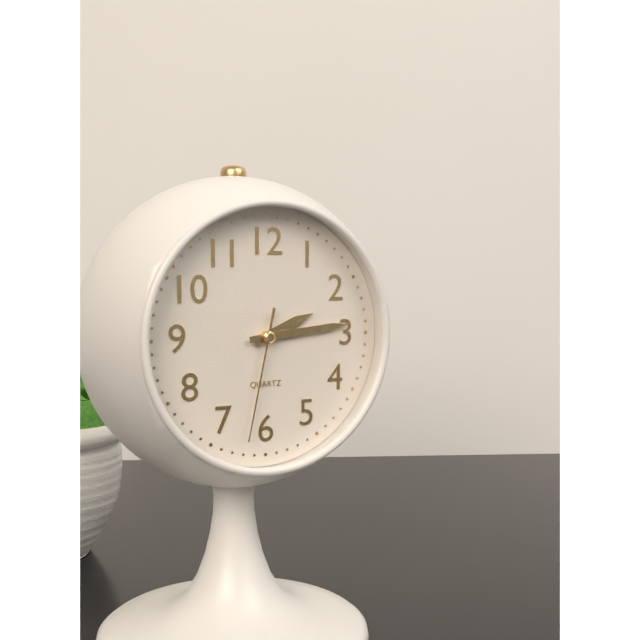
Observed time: 2.14.32
